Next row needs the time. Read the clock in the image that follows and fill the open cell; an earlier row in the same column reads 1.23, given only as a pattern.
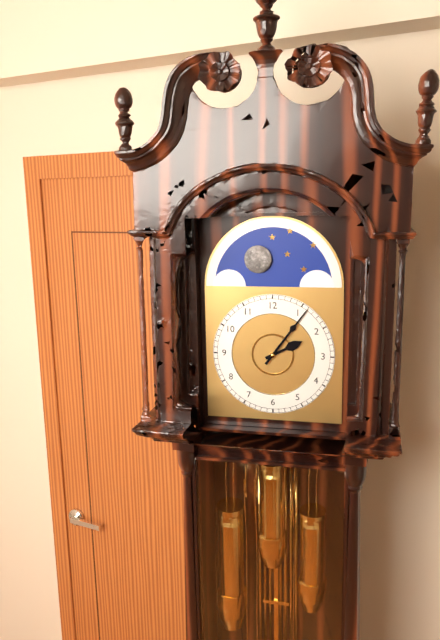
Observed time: 2.06
